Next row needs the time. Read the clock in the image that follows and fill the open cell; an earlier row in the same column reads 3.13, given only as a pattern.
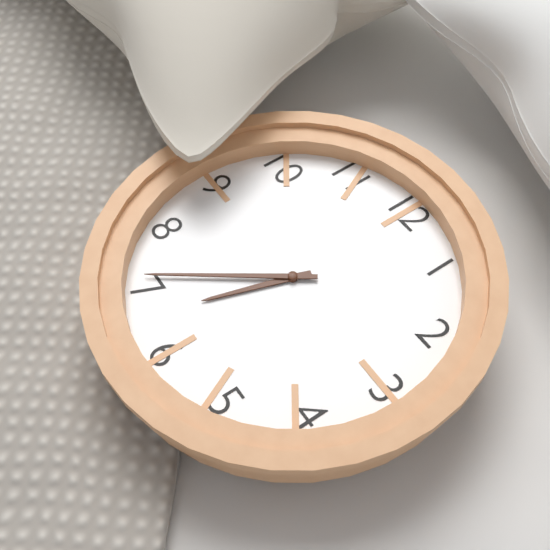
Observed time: 6.36
